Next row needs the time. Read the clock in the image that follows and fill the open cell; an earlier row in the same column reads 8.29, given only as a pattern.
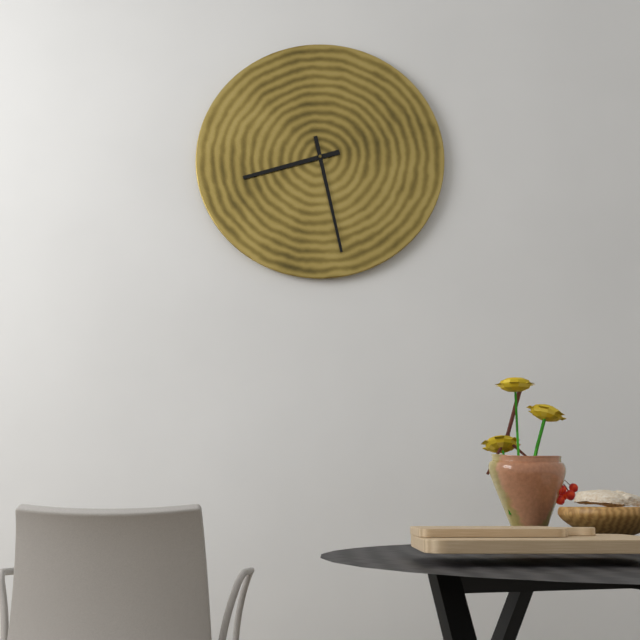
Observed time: 8.28
